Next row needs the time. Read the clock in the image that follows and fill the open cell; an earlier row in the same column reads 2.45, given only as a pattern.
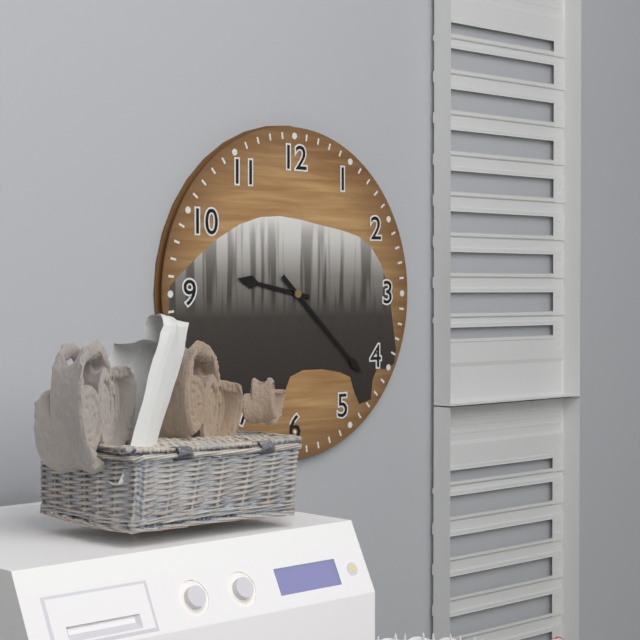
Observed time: 9.22
